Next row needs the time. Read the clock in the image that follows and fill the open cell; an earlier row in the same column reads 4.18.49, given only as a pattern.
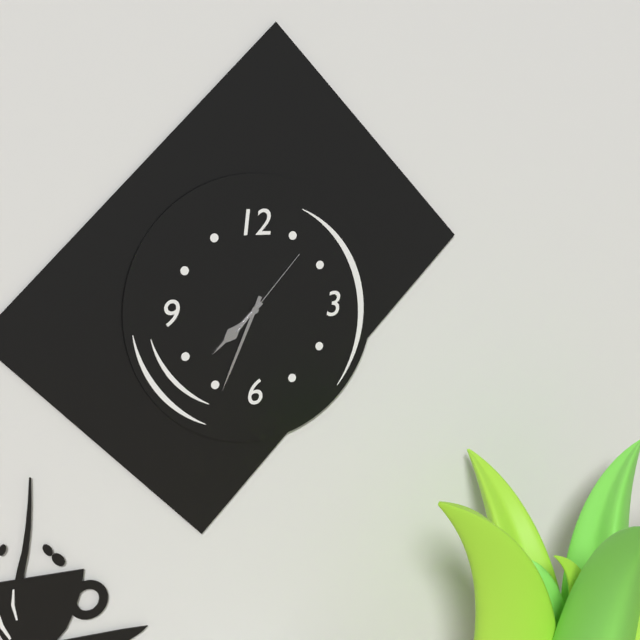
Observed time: 7.34.07
